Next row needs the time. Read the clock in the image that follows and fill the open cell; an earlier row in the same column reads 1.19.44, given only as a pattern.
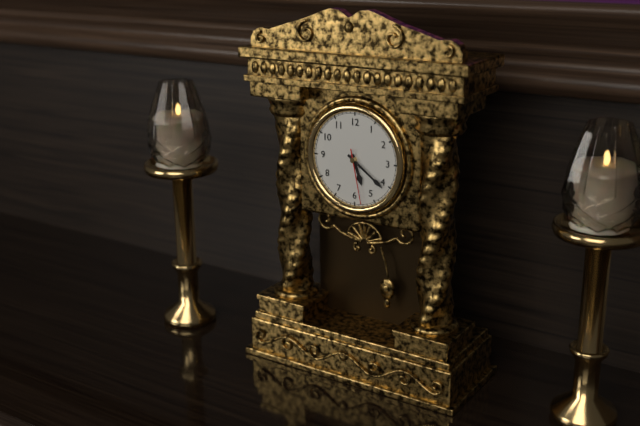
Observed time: 5.21.28
